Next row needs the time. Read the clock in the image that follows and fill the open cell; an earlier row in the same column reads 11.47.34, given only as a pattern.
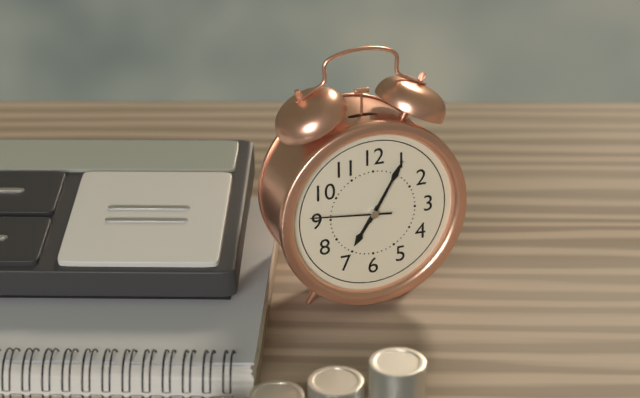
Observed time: 7.05.46
